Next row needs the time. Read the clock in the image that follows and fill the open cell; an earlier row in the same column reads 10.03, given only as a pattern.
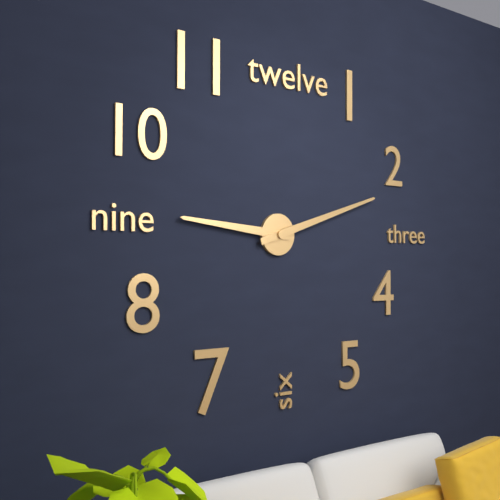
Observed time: 9.12
